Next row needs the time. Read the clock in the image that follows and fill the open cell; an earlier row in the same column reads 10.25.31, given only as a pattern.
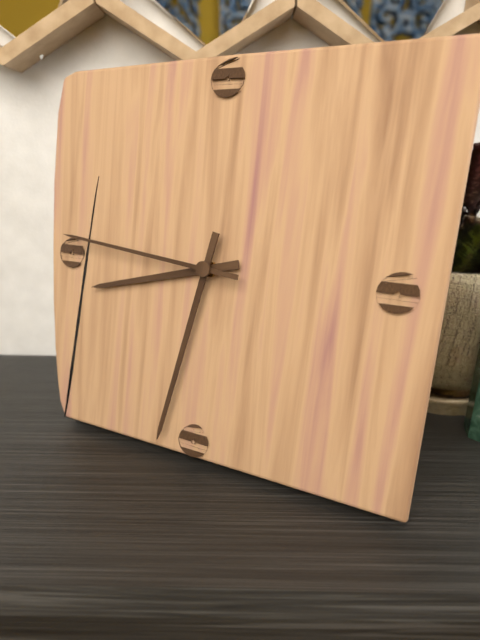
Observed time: 8.32.46
